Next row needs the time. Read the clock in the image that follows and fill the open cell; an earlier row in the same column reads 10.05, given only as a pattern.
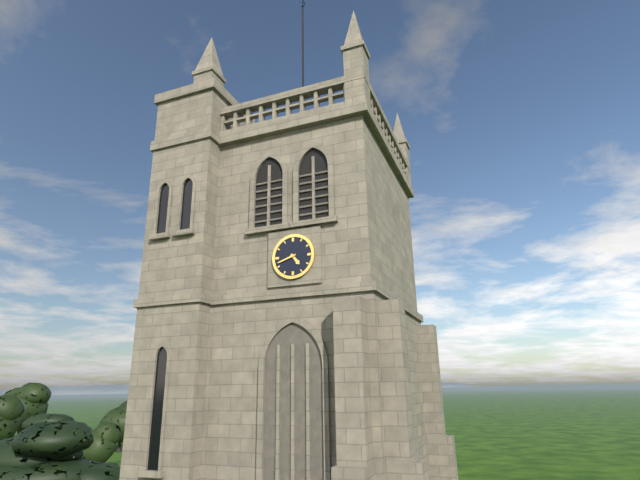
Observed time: 4.42
